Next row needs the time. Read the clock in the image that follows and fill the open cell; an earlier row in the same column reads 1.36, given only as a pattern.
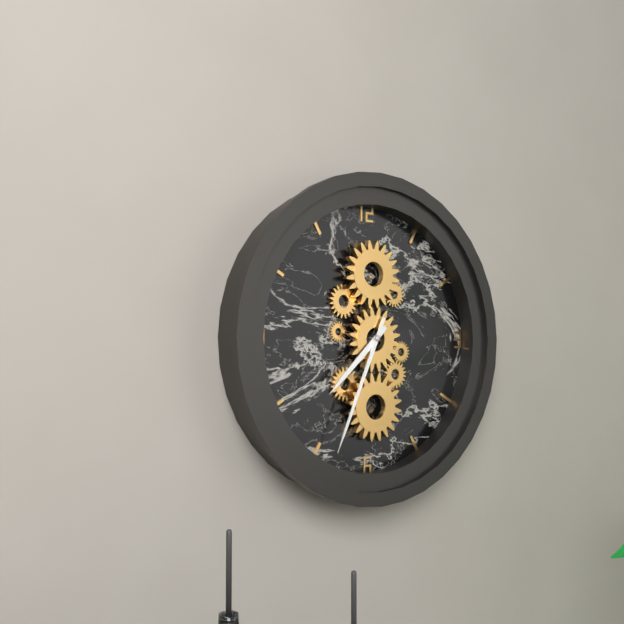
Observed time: 7.34
